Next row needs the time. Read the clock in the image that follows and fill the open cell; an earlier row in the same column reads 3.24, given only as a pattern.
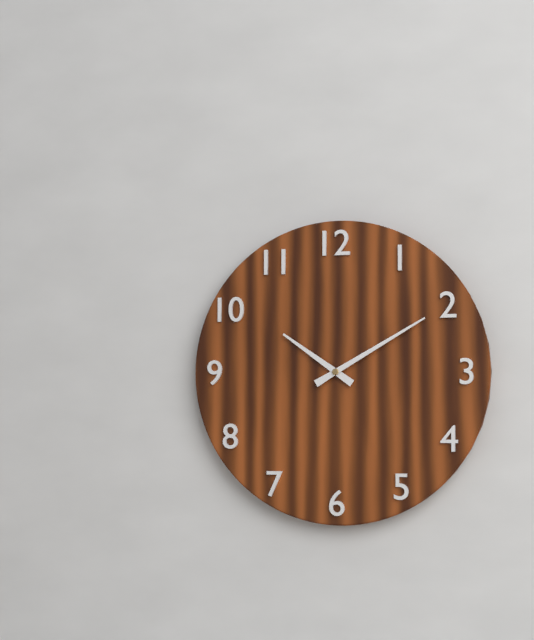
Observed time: 10.10
